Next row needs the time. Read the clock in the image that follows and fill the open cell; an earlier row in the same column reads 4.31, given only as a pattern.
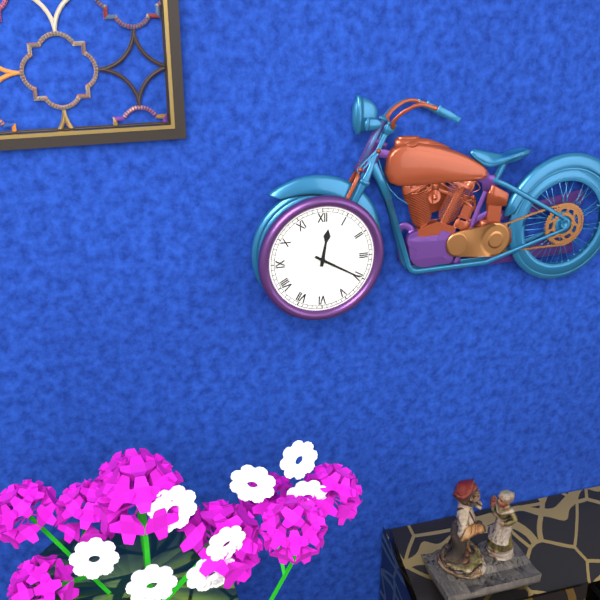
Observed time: 12.20
